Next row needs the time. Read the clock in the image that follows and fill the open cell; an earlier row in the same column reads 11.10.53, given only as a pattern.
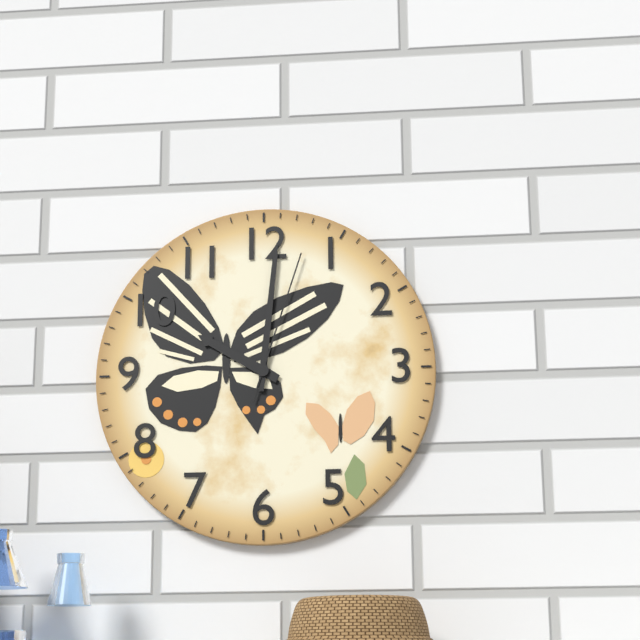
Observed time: 10.01.03
